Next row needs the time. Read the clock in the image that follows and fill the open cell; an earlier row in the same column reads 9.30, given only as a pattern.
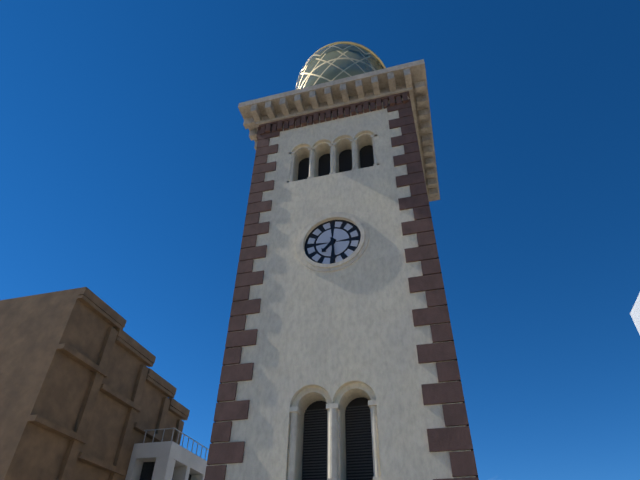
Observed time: 7.29
